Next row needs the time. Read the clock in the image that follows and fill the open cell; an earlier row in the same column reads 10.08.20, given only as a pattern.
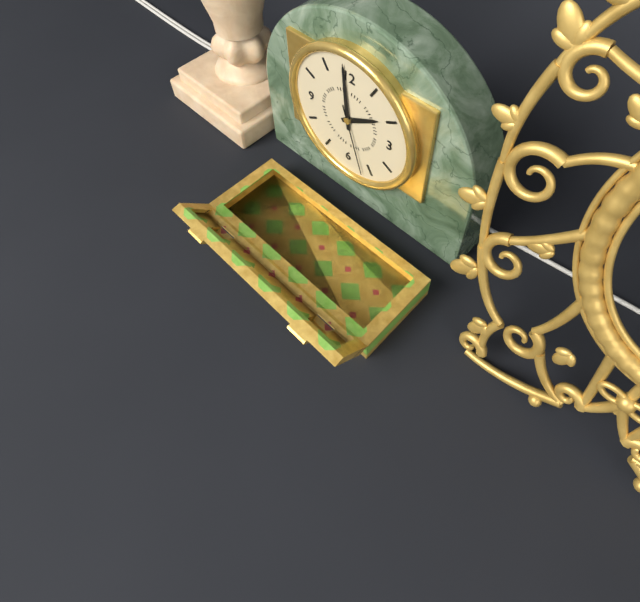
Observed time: 1.59.27
